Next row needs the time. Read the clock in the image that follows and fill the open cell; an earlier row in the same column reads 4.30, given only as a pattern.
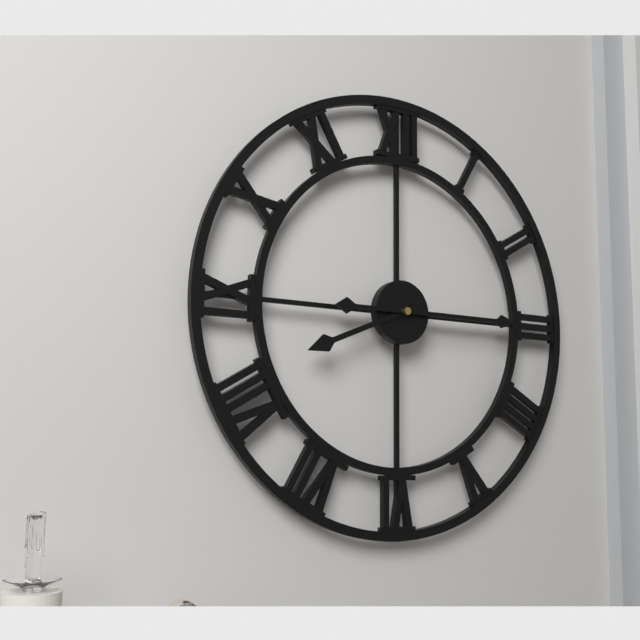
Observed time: 8.15
